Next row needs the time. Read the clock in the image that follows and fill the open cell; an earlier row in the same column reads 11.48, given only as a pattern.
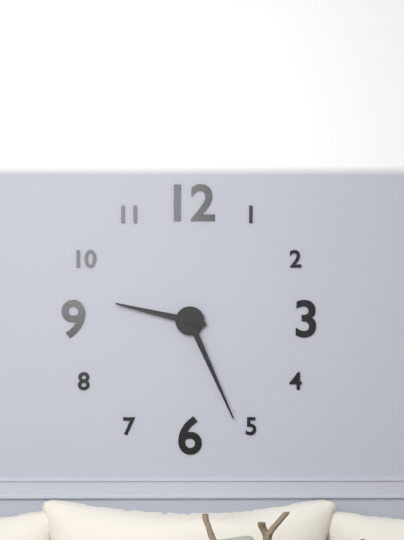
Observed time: 9.26
